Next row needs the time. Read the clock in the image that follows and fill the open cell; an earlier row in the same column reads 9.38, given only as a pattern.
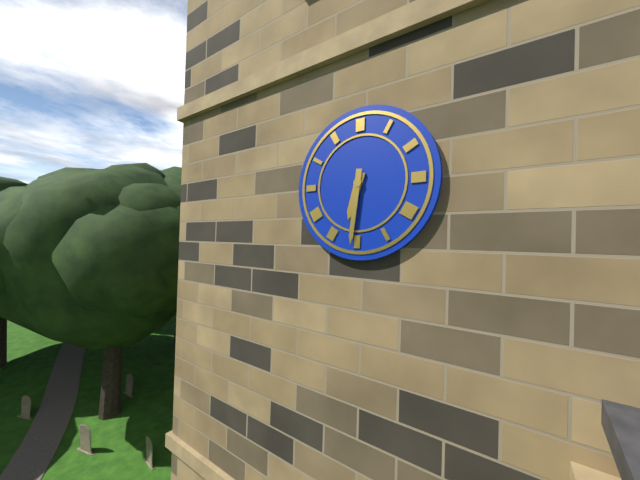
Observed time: 6.31
